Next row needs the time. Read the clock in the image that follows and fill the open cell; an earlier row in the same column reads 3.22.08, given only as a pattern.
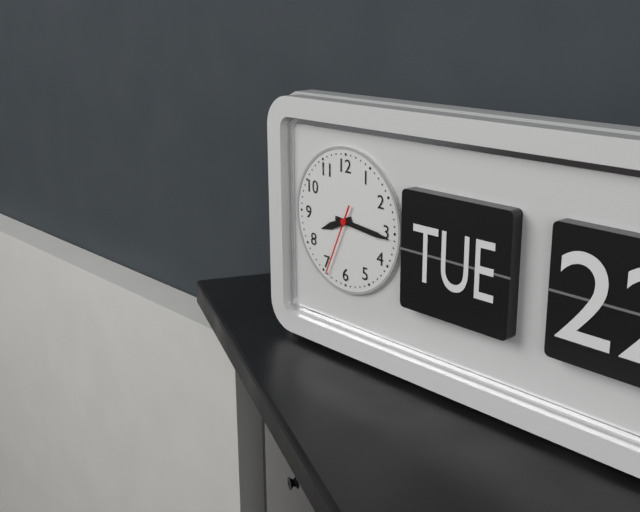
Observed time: 8.16.34
